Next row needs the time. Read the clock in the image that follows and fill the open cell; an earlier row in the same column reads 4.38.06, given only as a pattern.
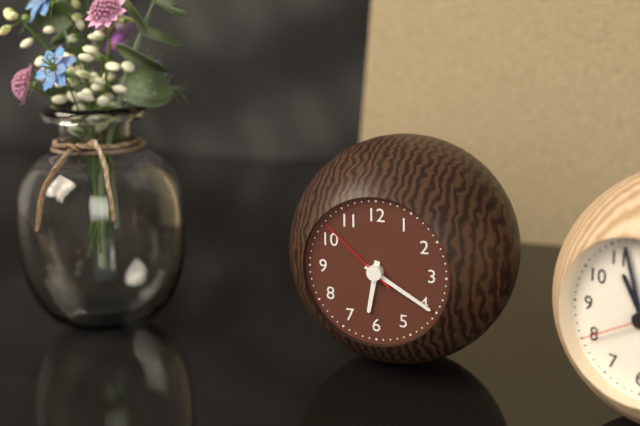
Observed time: 6.20.52
